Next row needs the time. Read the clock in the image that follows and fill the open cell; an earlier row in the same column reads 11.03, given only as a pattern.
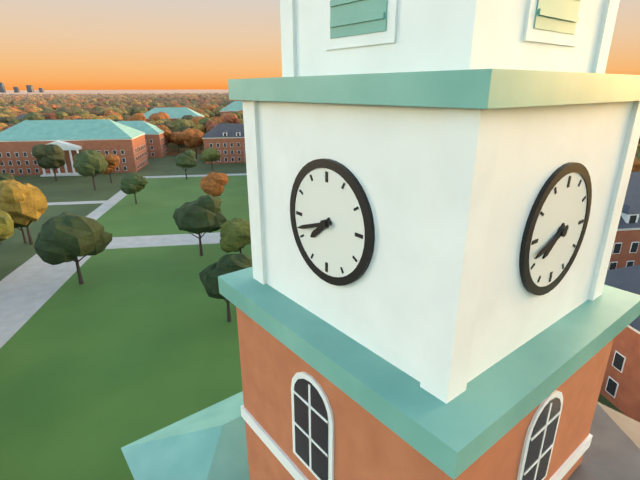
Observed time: 7.42
